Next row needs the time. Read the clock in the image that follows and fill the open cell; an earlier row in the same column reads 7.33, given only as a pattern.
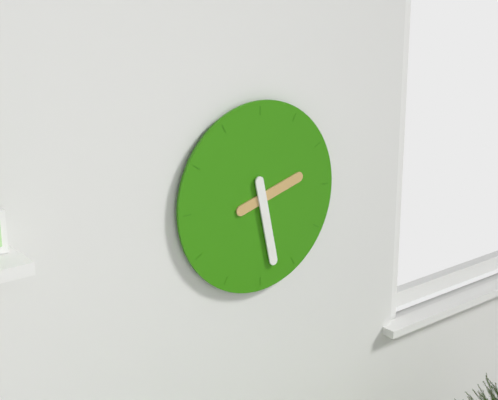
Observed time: 2.28
